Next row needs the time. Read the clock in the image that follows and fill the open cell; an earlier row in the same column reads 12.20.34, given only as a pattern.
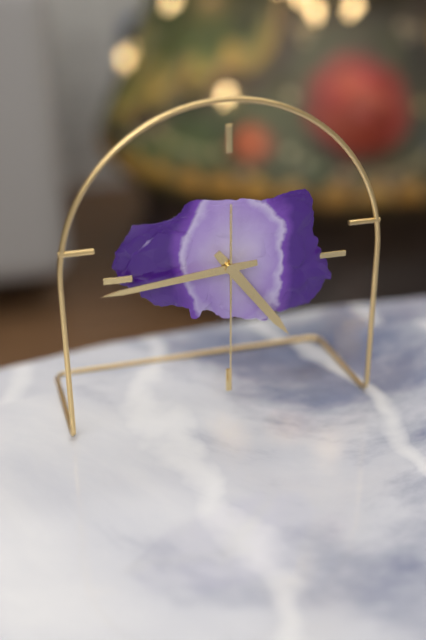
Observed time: 4.44.30
